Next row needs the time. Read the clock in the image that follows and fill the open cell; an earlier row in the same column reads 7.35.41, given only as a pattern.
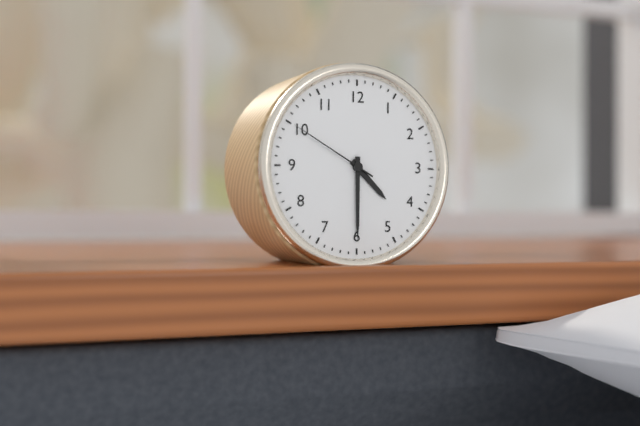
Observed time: 4.30.50
